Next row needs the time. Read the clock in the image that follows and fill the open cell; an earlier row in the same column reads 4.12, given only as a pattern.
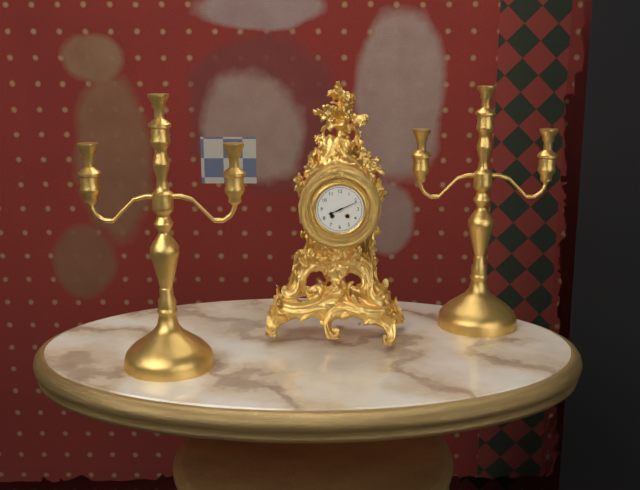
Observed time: 8.11
